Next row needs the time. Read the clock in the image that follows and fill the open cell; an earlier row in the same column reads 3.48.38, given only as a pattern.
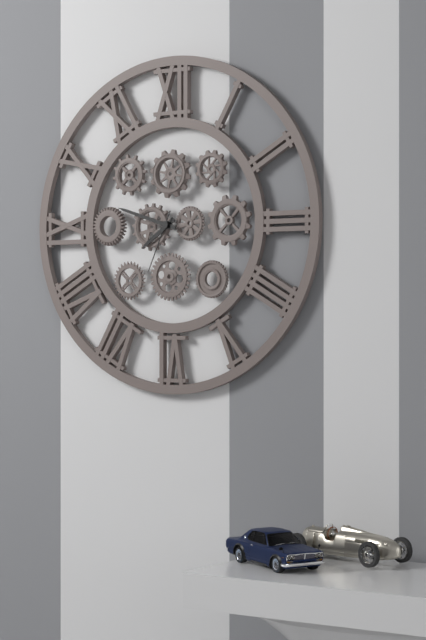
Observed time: 7.48.34
